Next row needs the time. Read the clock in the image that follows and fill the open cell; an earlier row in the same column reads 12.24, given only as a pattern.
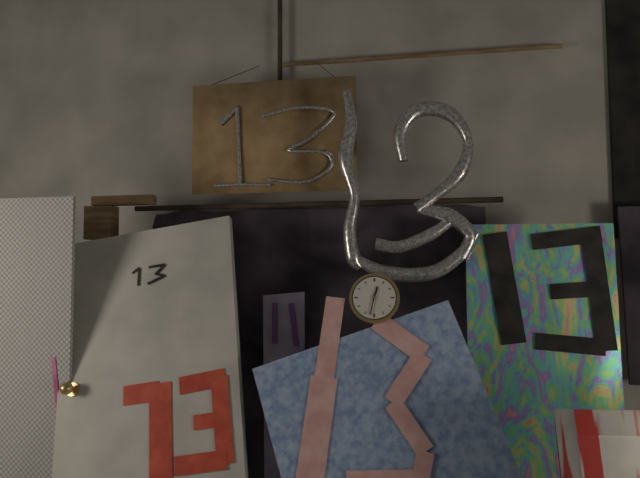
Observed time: 12.32
